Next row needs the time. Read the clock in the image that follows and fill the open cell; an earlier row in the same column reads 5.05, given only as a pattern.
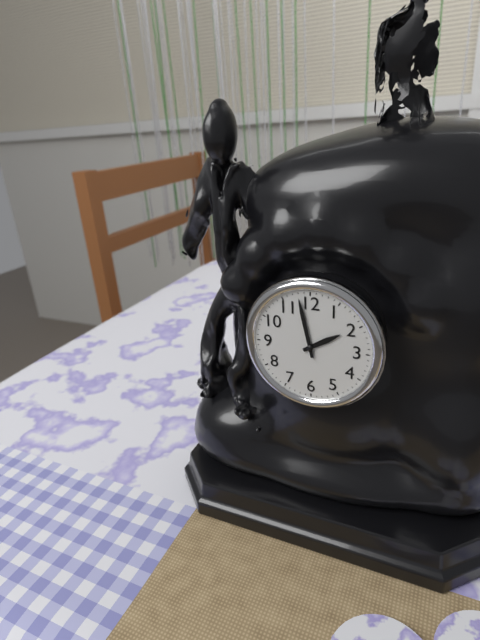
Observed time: 1.58
